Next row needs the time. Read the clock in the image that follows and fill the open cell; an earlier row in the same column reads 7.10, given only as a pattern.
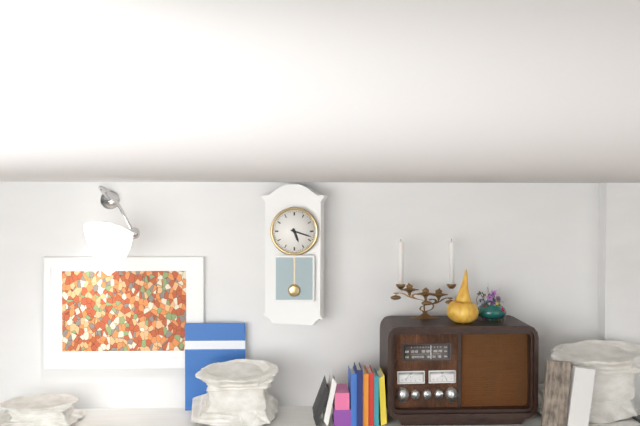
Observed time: 5.18
